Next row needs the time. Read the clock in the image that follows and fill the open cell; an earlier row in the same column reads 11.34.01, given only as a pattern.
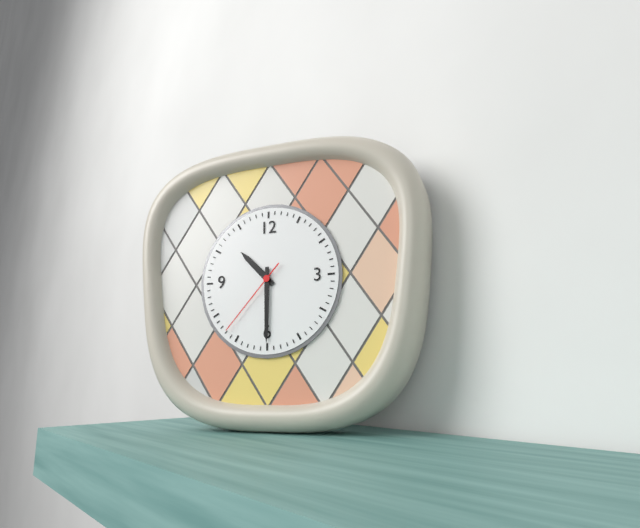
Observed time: 10.30.37
